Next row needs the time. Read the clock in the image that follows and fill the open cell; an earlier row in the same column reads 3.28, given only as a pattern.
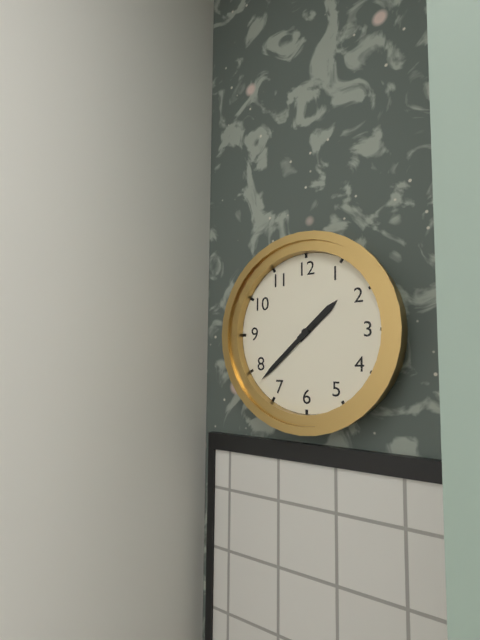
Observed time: 1.38
